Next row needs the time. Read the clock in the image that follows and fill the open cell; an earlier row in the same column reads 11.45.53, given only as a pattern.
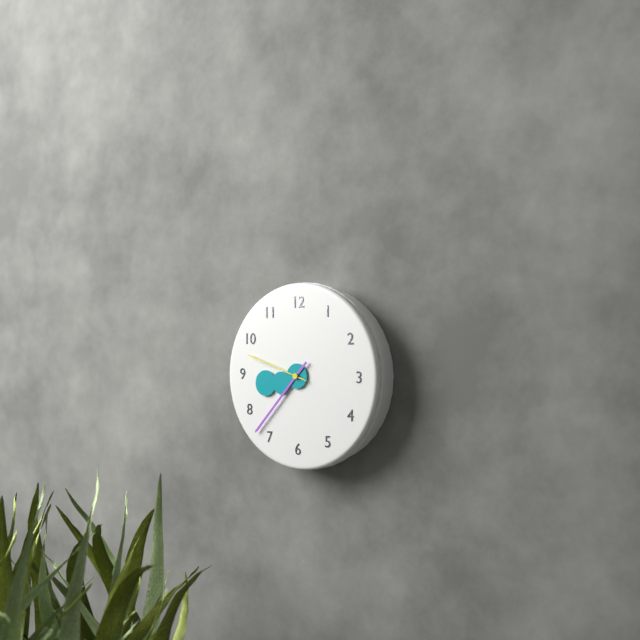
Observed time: 8.37.48
